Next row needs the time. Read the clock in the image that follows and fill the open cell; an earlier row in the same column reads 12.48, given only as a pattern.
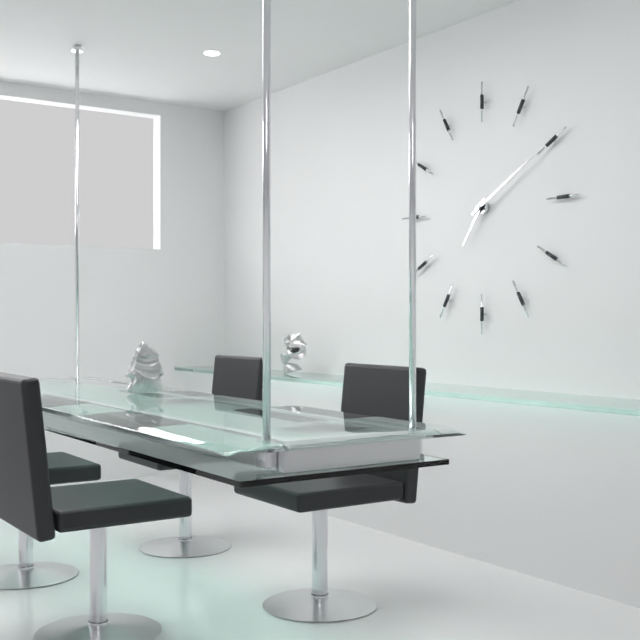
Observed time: 7.10
